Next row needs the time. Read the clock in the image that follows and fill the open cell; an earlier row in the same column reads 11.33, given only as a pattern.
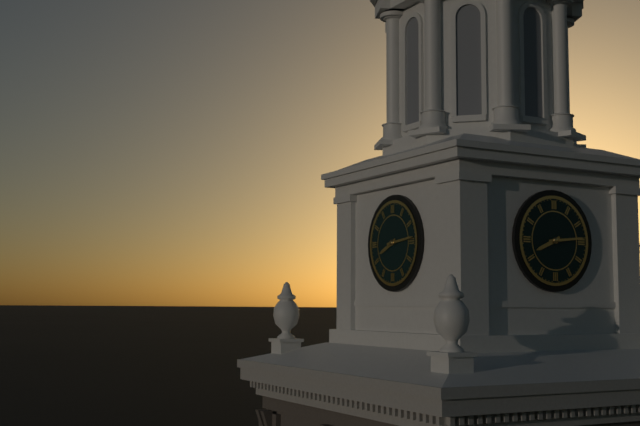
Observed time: 8.14
